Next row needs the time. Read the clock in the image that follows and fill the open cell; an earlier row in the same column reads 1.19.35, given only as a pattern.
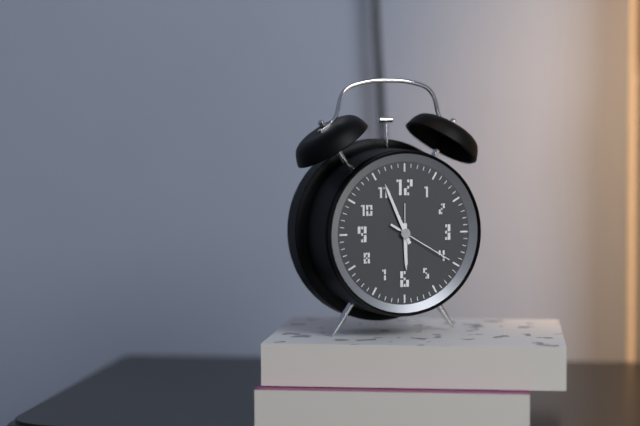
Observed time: 5.56.20
